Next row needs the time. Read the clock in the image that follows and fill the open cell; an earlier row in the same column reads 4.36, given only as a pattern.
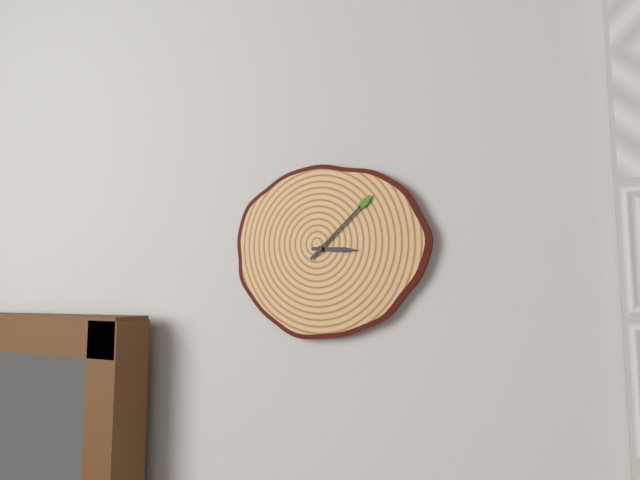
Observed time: 3.08
